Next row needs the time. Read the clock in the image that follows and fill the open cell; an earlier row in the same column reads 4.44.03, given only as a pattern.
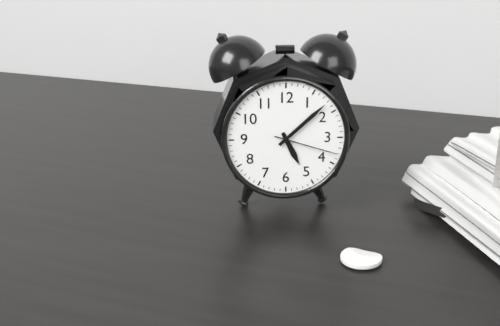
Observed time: 5.08.18
